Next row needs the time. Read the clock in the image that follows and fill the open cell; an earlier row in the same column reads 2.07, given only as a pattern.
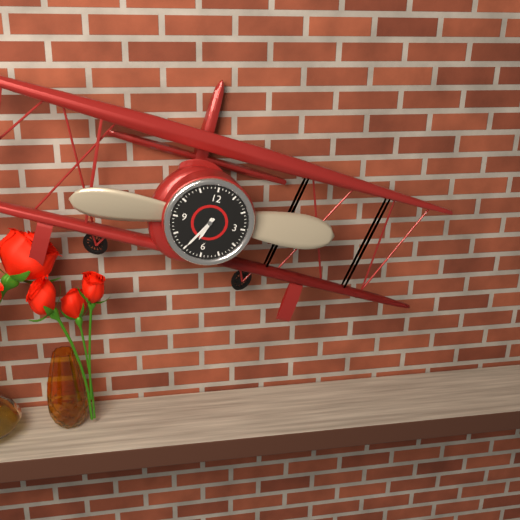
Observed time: 6.35
